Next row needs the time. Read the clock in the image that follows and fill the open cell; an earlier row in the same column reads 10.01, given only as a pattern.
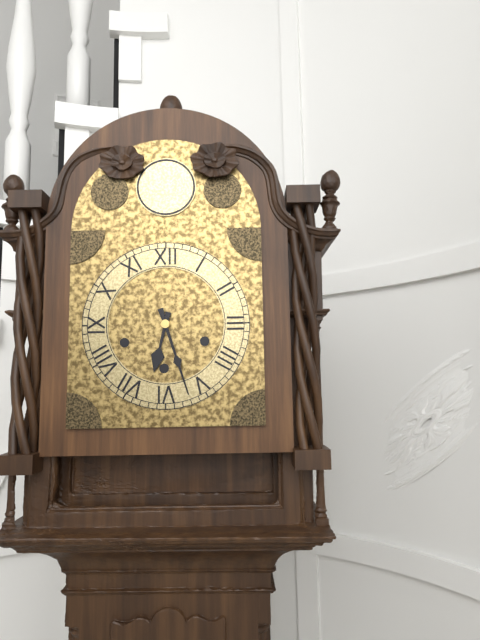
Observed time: 6.27
